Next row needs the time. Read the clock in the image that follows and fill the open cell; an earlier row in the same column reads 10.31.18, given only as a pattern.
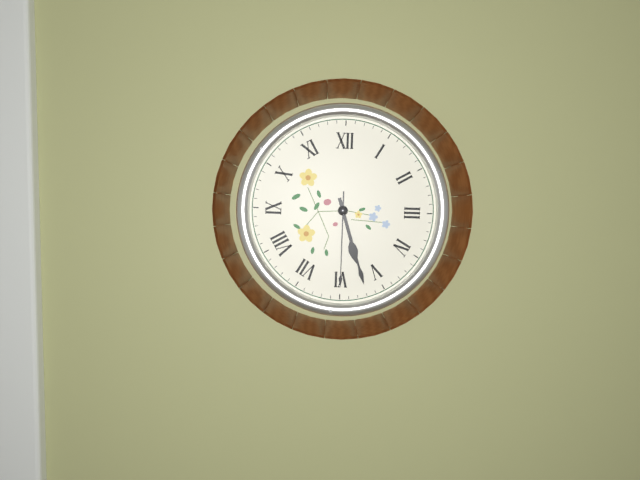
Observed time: 5.27.30
